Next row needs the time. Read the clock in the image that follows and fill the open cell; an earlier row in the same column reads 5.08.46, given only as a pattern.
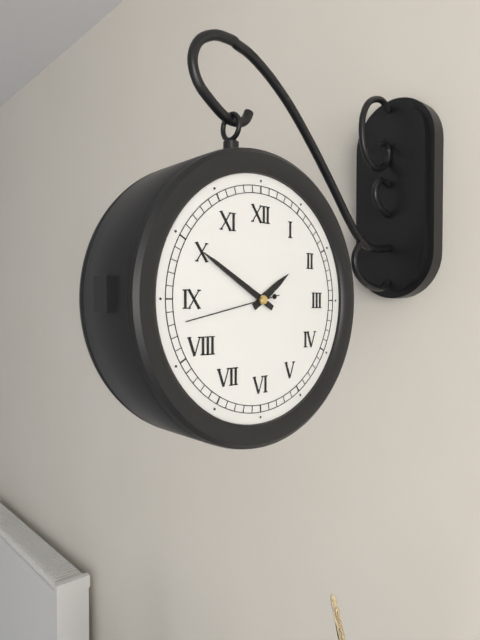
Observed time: 1.50.43
